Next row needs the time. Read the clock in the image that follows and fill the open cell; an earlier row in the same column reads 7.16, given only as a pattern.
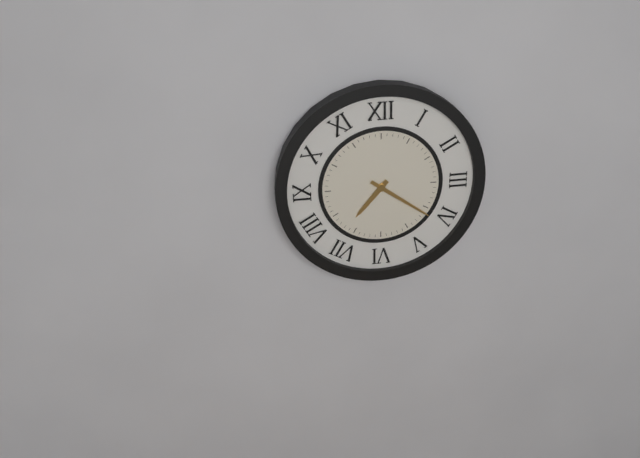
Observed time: 7.21
